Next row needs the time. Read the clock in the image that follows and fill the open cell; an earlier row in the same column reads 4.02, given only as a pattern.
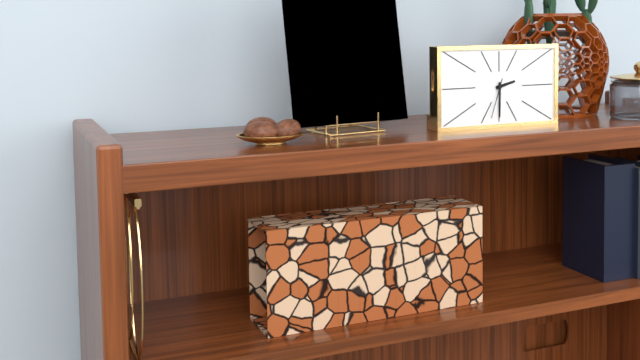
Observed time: 2.30
